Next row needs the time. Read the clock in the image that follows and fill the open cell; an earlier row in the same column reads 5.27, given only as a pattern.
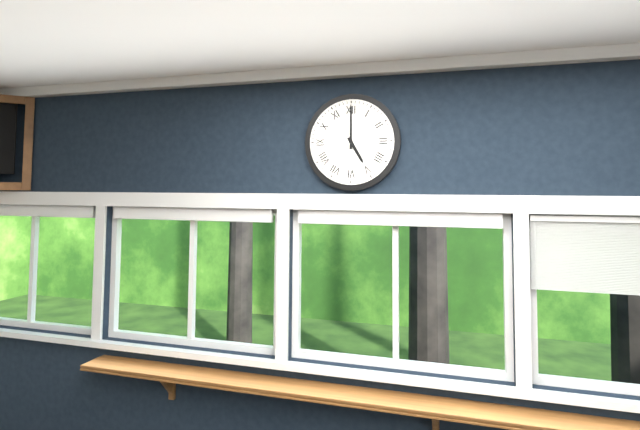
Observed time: 5.00
